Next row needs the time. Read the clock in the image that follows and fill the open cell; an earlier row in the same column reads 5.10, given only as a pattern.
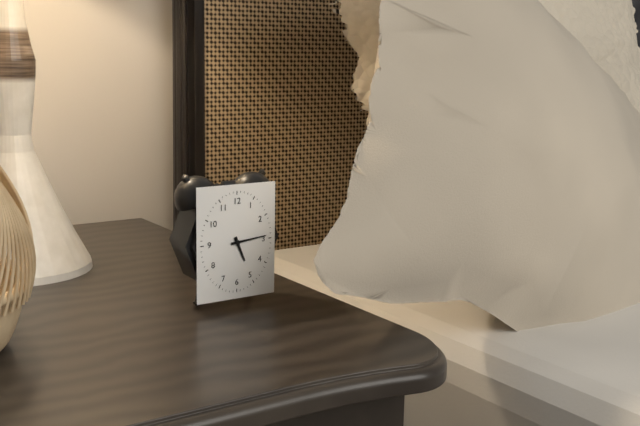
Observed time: 5.14
